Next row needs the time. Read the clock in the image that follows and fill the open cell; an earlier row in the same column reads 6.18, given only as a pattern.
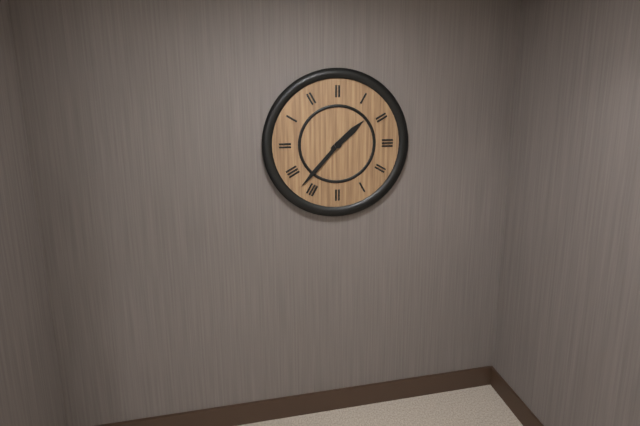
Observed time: 1.37
